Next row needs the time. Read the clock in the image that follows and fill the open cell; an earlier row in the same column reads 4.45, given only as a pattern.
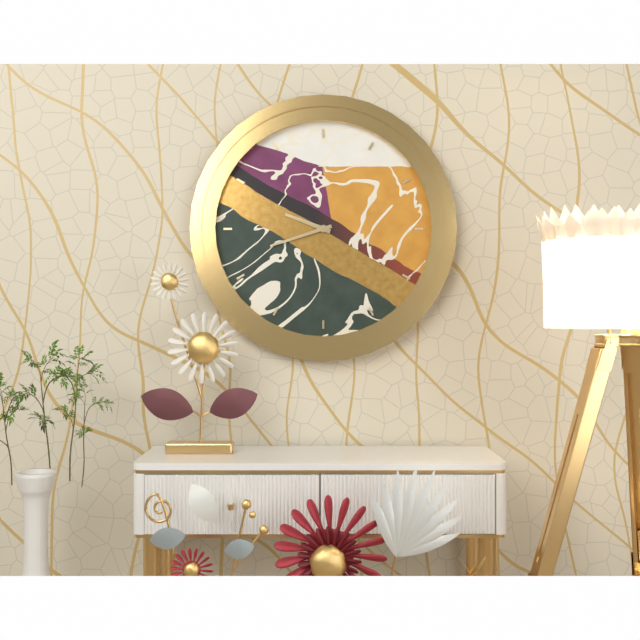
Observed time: 9.42
